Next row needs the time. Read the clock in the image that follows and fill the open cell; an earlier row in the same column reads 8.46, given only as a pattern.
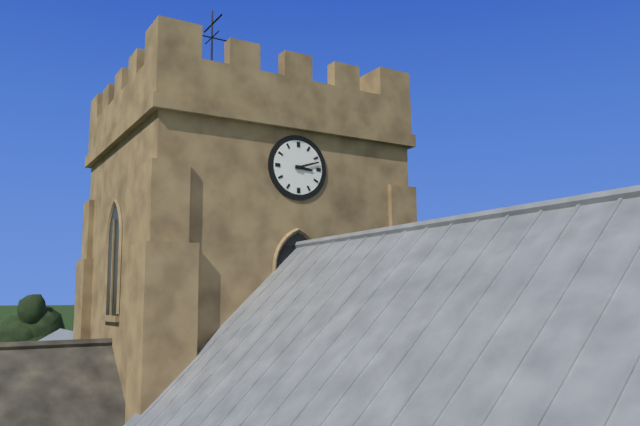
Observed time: 3.12
